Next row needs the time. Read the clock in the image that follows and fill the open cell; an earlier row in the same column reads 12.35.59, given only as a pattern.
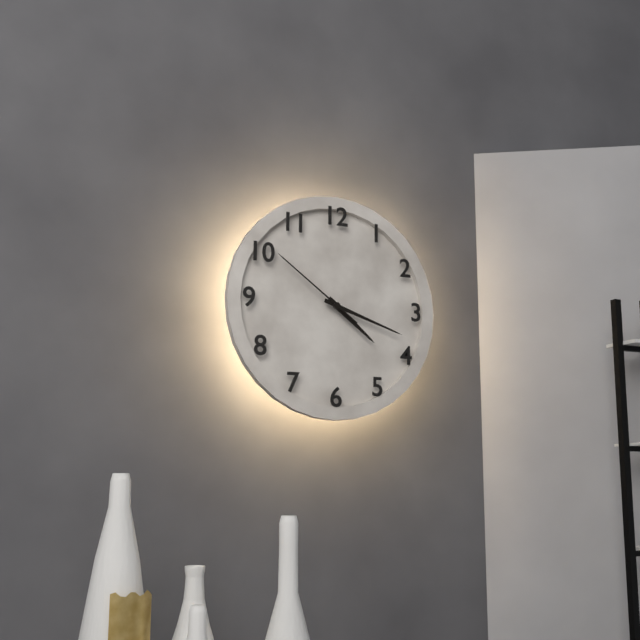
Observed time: 4.18.51
